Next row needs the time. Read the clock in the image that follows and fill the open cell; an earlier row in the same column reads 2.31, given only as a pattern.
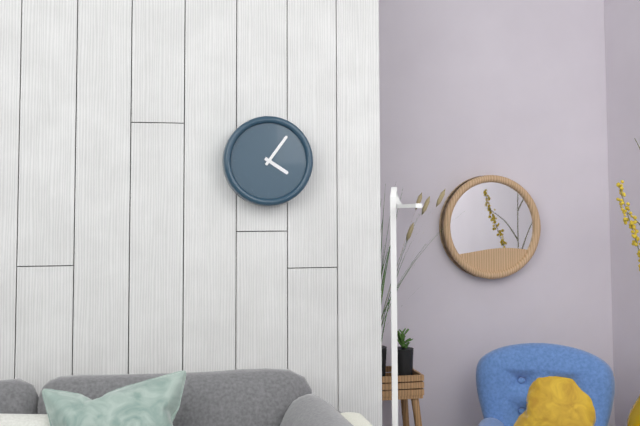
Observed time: 4.06
